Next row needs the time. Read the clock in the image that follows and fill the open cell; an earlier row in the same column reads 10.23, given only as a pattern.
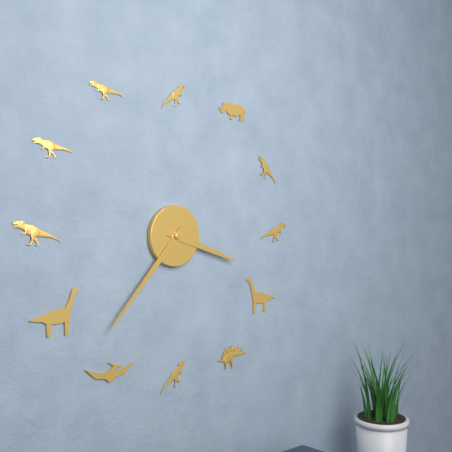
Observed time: 3.37
